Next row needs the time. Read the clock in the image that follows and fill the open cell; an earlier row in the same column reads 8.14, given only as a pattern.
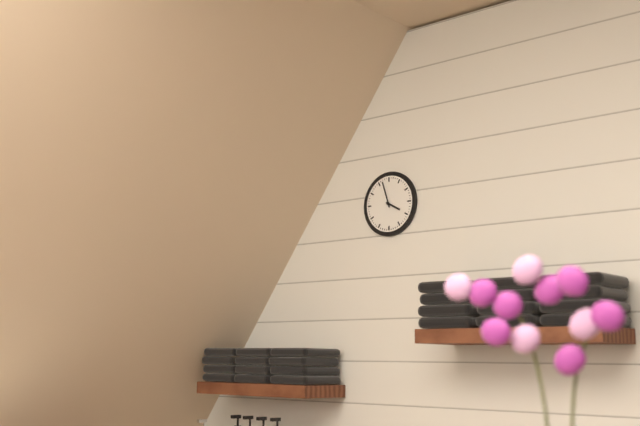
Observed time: 3.57
